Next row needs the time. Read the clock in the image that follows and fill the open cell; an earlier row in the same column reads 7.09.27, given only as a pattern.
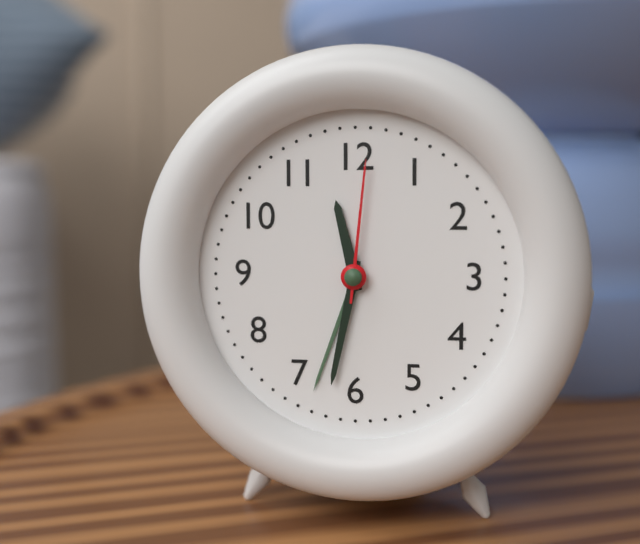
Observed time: 11.32.01
